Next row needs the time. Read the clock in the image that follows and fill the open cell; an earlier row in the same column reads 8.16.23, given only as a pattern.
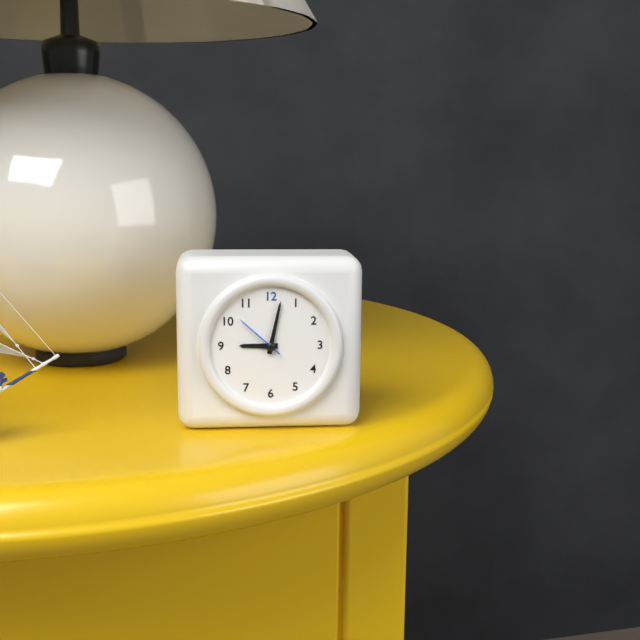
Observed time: 9.02.52
